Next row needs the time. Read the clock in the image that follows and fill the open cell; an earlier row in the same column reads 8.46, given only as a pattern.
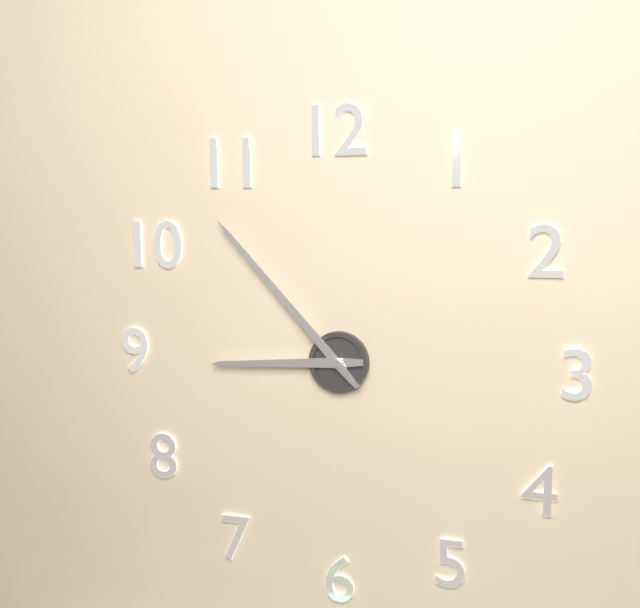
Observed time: 8.53
